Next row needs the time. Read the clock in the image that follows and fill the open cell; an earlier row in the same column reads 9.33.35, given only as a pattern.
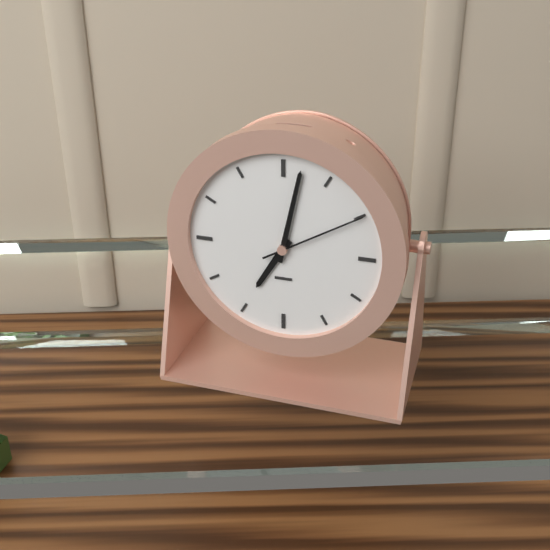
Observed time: 7.02.10
